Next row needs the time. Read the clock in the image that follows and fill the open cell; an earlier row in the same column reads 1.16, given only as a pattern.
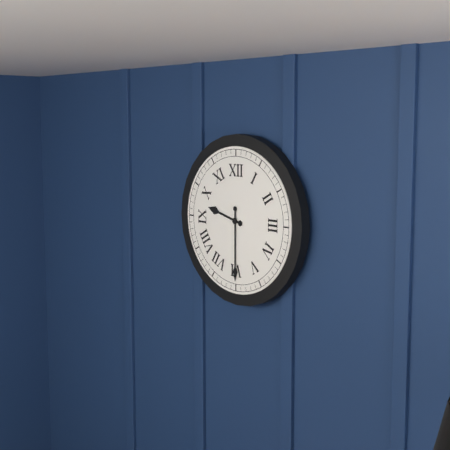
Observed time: 9.30
